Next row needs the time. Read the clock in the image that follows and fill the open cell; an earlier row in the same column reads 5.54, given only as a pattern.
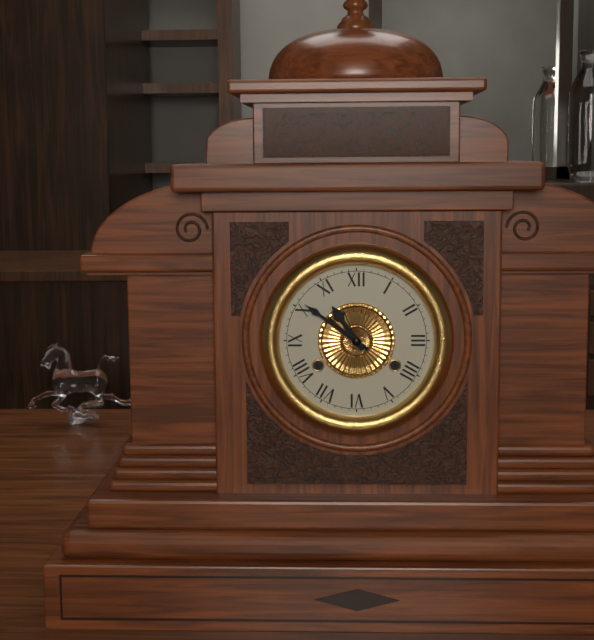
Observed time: 10.51
